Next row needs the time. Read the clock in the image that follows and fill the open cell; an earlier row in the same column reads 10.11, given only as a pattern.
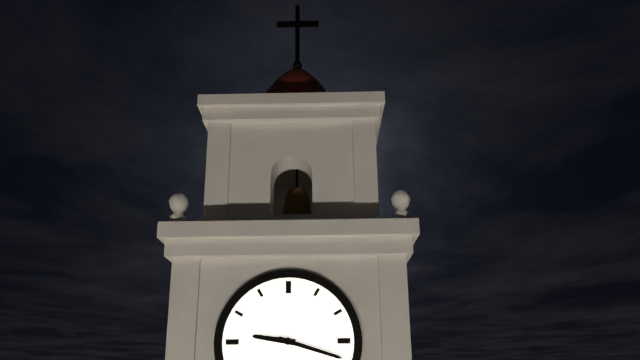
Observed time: 9.18
